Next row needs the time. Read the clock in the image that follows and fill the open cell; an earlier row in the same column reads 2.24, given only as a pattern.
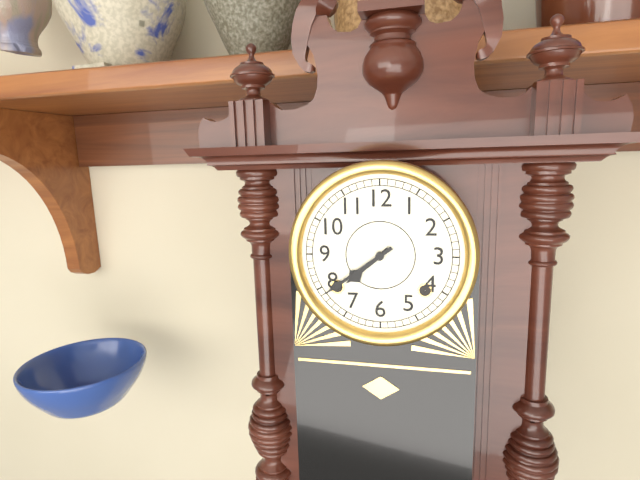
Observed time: 7.39
